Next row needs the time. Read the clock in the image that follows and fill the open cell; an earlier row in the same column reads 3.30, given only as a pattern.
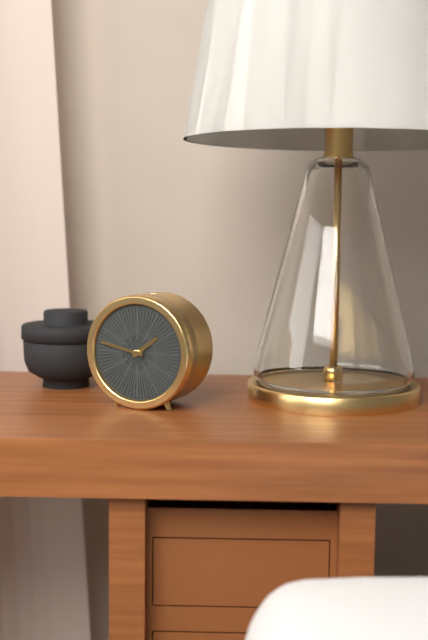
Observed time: 1.47
